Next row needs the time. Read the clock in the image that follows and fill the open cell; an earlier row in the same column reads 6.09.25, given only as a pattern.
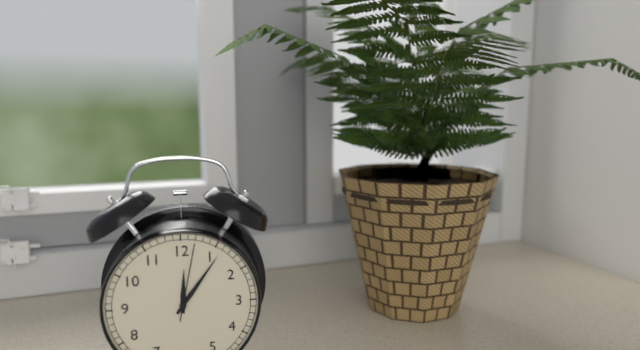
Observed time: 12.06.02
